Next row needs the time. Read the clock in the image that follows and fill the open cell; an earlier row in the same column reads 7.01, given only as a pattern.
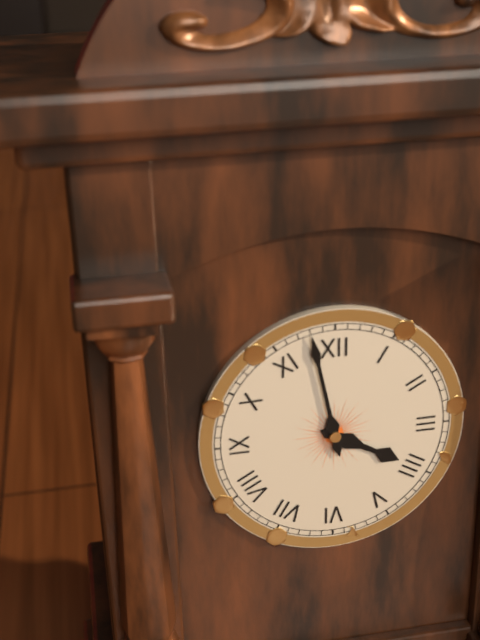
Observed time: 3.58
